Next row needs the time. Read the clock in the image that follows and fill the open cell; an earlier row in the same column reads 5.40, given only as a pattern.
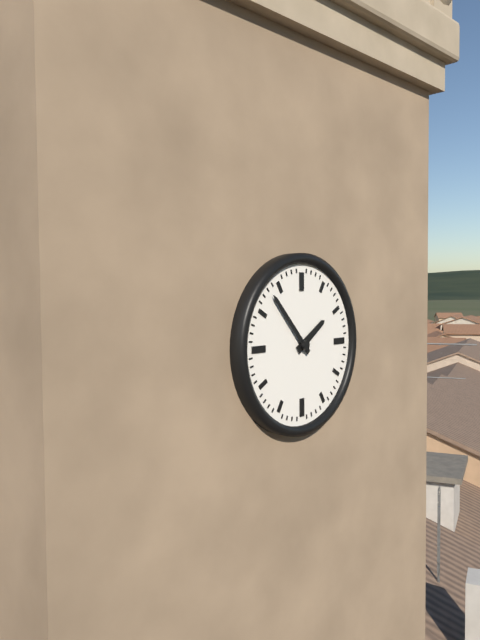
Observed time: 1.53
